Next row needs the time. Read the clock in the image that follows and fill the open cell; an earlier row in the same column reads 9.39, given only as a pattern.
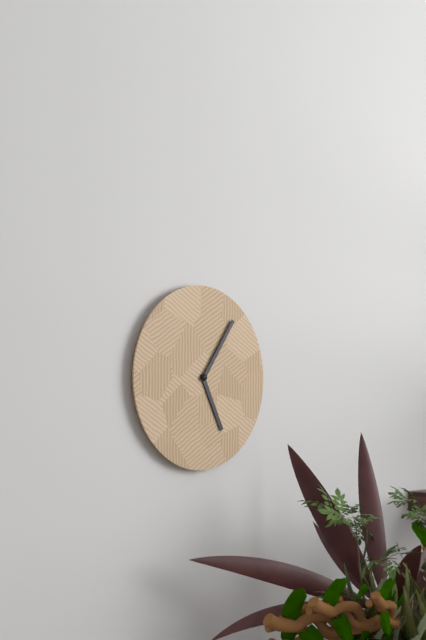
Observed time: 5.06
